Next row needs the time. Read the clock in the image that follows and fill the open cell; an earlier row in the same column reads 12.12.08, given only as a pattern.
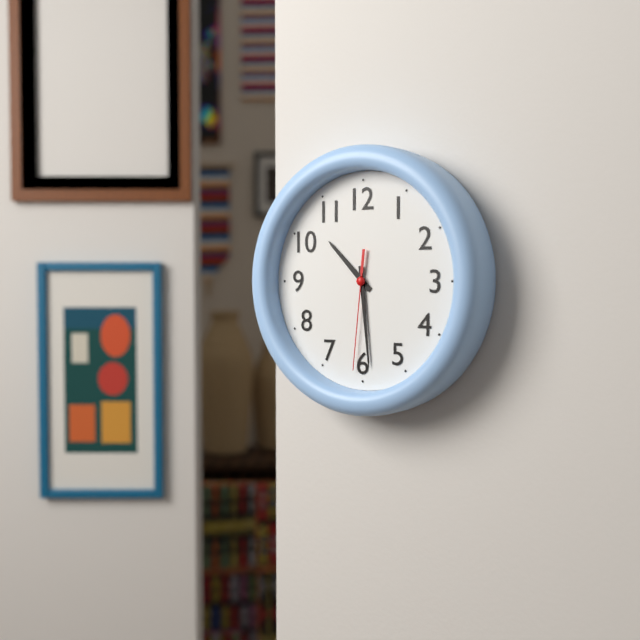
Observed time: 10.29.31
